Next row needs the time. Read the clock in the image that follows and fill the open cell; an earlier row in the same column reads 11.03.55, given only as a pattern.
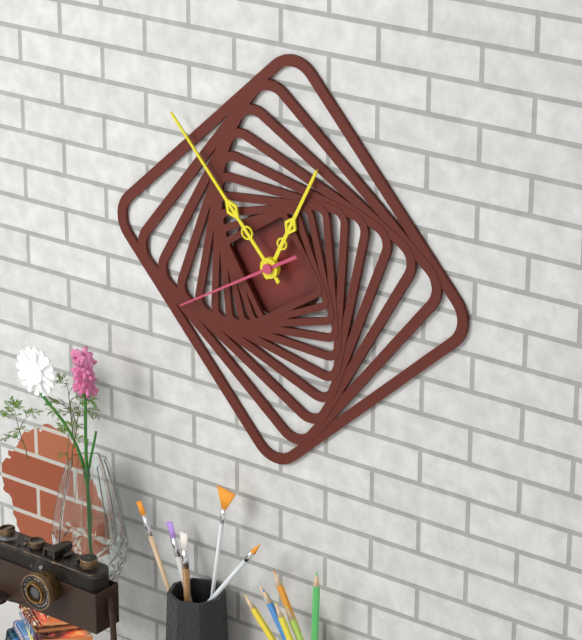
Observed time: 12.53.40
